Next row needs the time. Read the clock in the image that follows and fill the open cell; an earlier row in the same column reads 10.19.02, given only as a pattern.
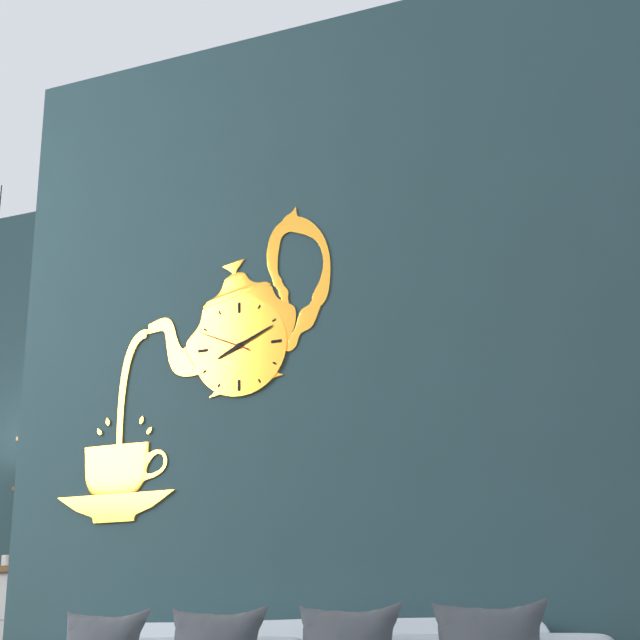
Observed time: 8.11.49
